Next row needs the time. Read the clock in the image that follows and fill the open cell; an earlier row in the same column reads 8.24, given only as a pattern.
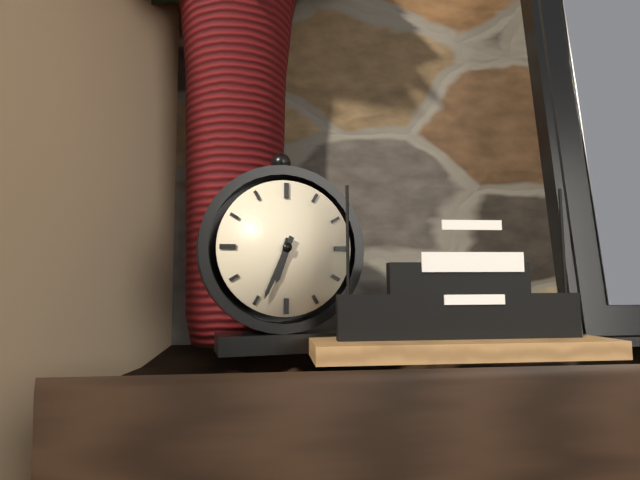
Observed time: 6.34
